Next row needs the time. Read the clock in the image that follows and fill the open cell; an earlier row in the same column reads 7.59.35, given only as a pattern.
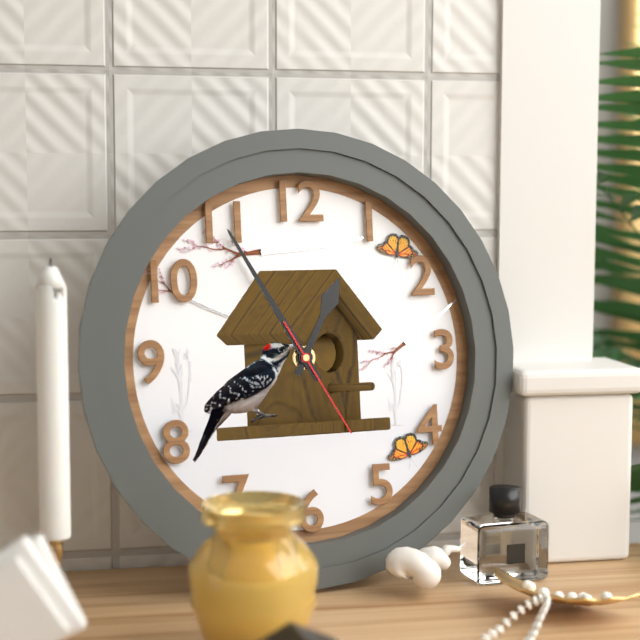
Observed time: 12.55.25
